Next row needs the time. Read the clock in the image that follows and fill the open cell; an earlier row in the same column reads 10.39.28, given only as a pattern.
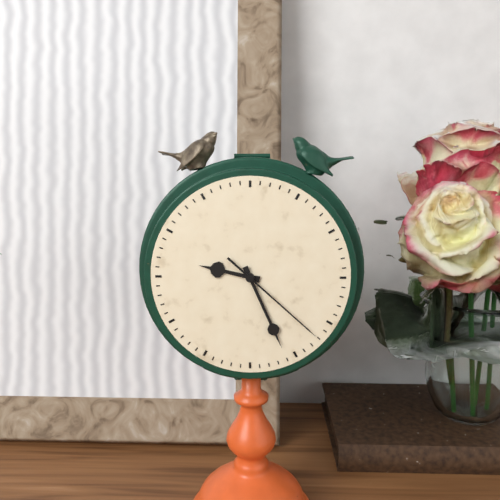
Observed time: 9.26.22
